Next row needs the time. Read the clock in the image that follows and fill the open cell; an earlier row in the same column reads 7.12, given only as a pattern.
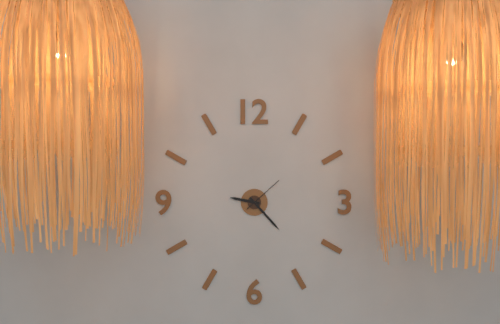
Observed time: 9.23
